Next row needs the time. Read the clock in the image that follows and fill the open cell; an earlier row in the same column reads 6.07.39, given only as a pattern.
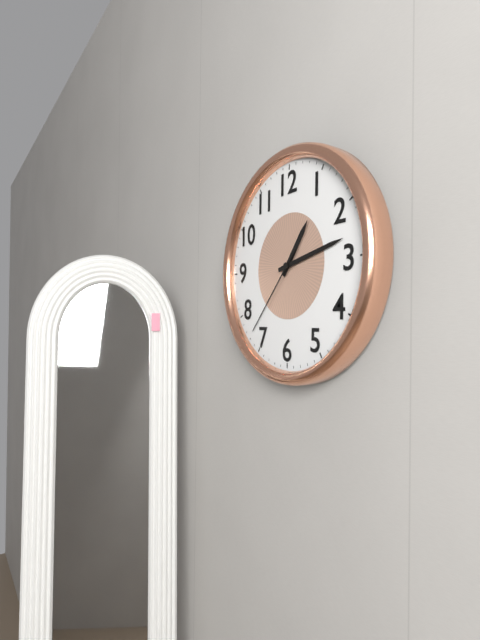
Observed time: 1.13.37
